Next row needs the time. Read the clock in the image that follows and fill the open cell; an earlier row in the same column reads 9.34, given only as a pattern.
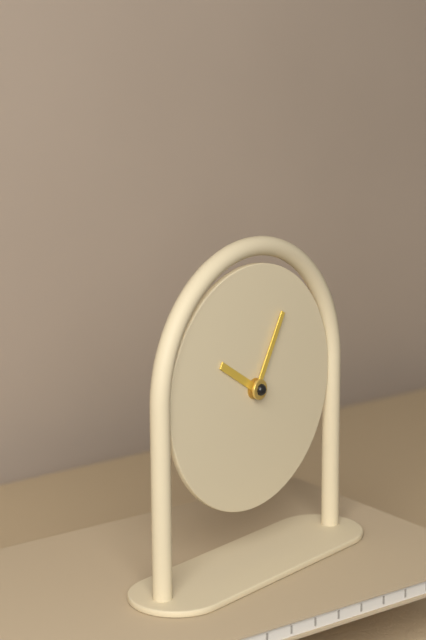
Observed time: 10.05
